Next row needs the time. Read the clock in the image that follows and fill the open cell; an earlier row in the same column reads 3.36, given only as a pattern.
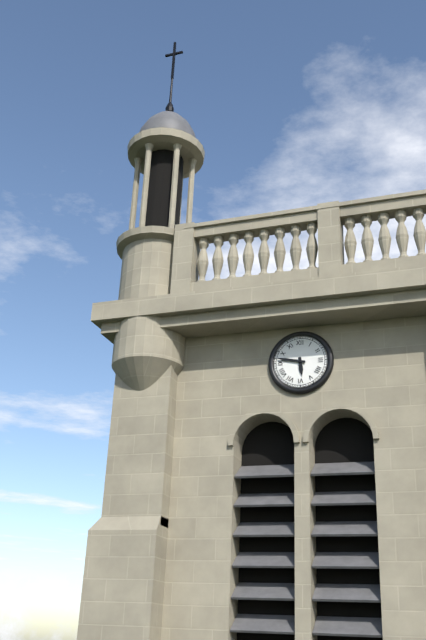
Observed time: 5.47
